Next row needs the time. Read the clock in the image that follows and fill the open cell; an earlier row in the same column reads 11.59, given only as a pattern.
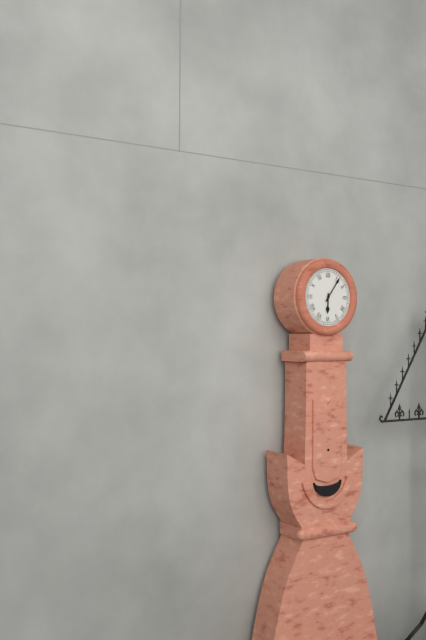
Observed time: 6.06
